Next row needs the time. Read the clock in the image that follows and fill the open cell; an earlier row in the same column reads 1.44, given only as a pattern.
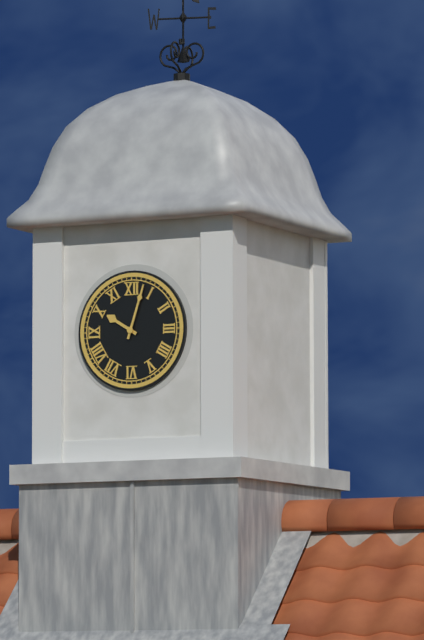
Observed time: 10.03
